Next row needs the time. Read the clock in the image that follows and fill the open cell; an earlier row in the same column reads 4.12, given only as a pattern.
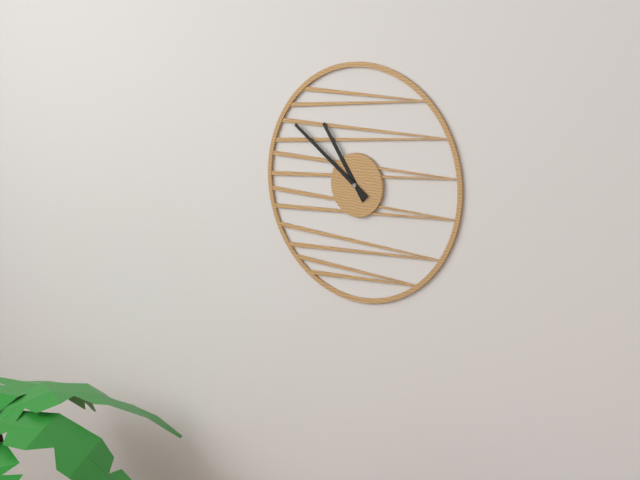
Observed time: 10.51
